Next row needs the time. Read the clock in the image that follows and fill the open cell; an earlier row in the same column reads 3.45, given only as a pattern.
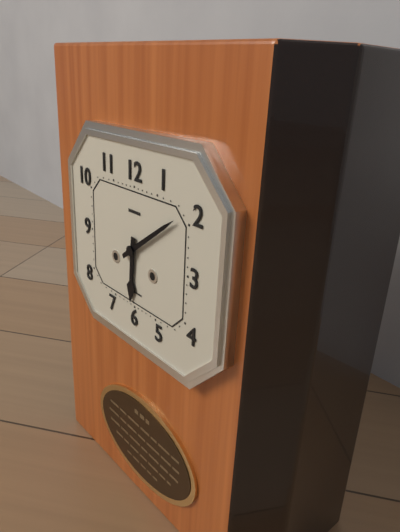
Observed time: 6.09
